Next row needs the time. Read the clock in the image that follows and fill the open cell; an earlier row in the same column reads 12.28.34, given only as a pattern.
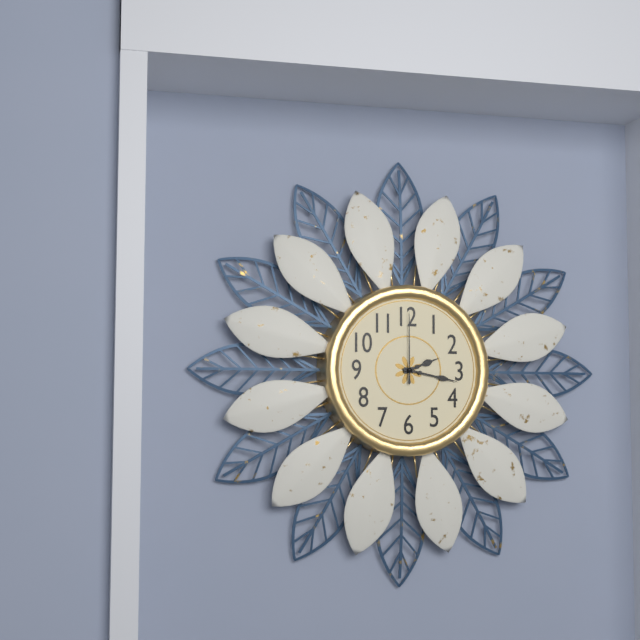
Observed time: 2.17.00
